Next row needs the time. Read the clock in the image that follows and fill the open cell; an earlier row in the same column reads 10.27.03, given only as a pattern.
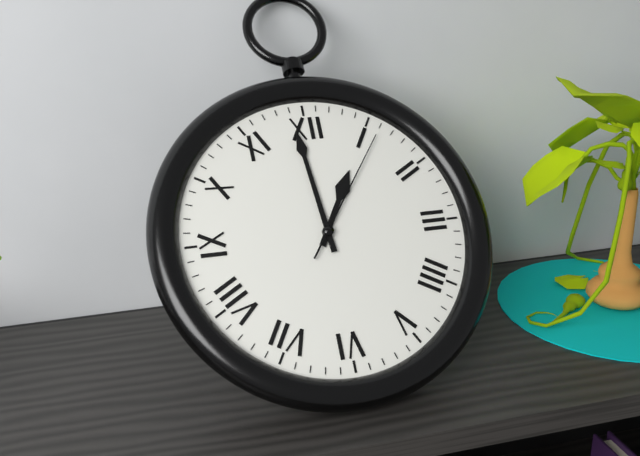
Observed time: 12.59.06
